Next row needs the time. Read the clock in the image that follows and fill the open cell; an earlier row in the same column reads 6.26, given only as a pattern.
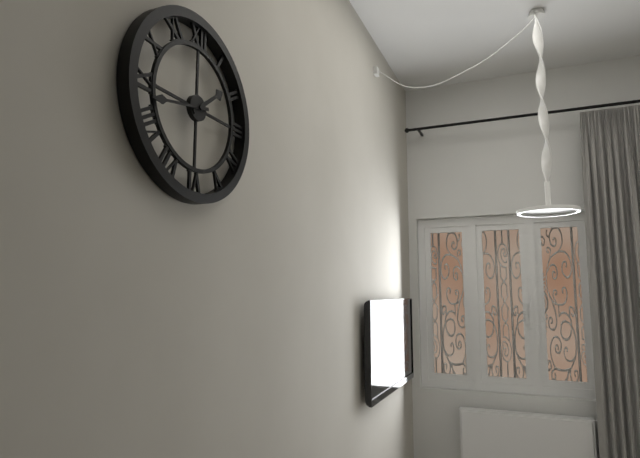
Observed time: 1.43
